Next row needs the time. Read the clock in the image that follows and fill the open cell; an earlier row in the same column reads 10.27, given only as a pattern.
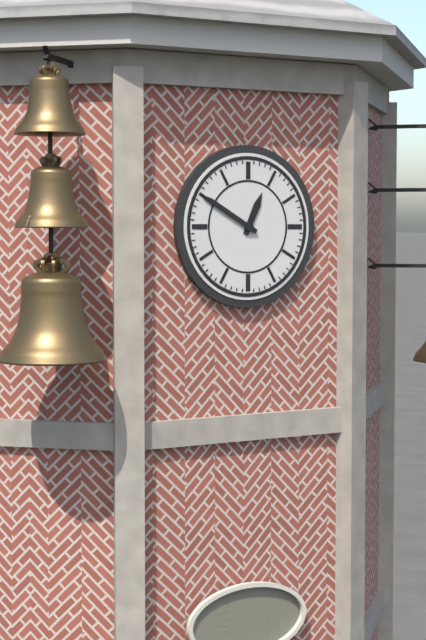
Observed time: 12.50
